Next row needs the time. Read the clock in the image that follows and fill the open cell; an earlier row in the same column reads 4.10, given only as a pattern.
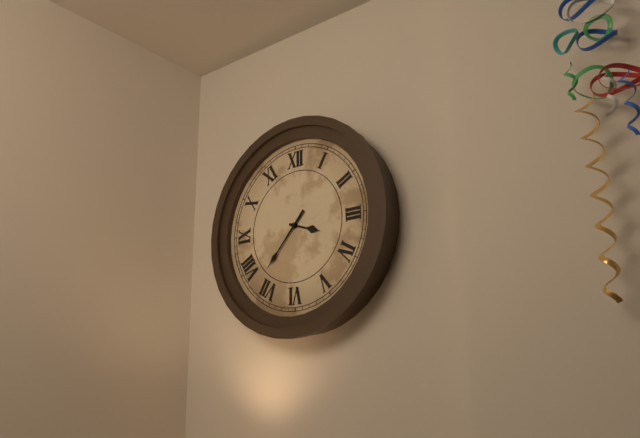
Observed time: 3.37
